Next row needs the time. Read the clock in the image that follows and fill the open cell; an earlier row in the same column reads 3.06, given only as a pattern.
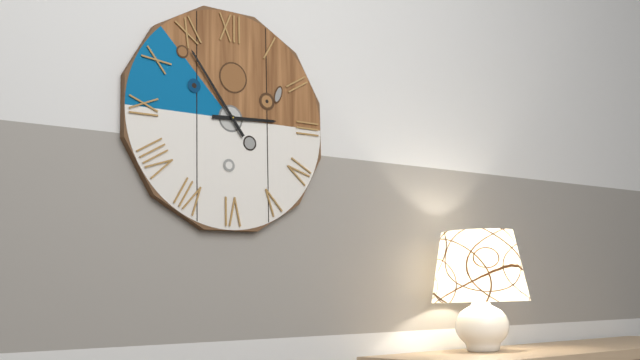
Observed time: 2.54
